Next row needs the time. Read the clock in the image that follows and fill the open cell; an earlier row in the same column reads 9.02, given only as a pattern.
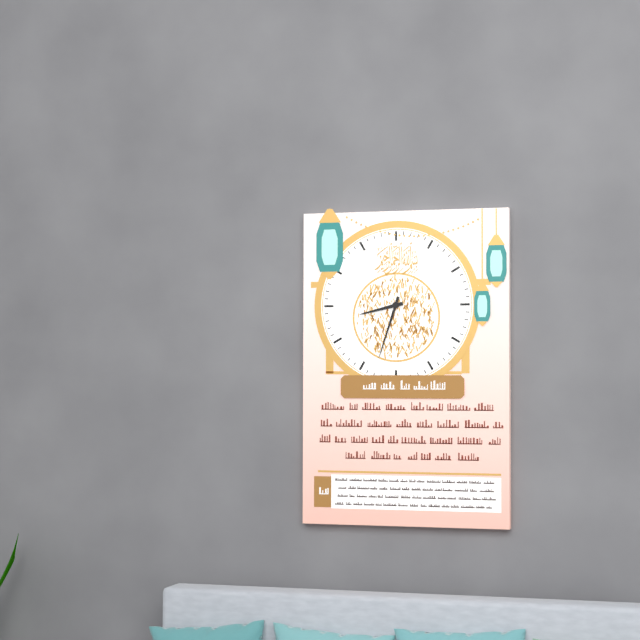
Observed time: 8.33
